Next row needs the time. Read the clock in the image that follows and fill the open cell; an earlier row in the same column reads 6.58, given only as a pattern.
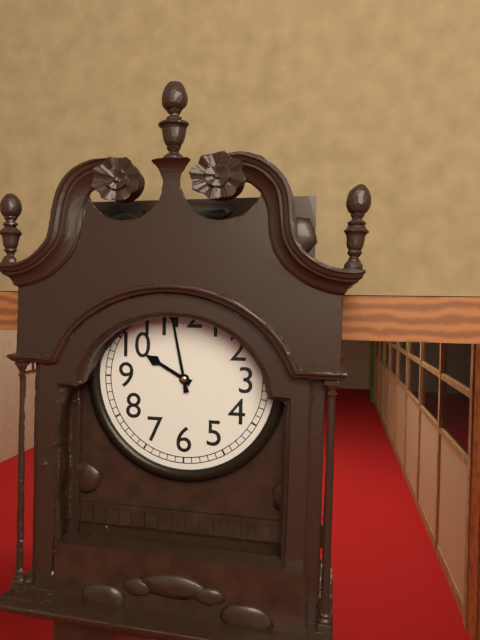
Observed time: 9.58
